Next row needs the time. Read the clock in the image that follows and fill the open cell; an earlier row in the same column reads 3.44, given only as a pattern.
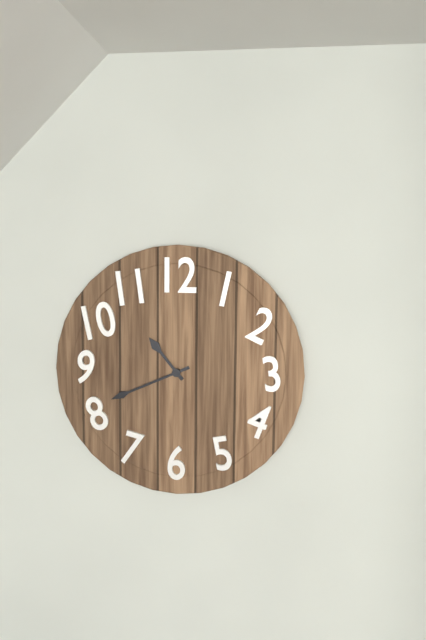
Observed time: 10.41
